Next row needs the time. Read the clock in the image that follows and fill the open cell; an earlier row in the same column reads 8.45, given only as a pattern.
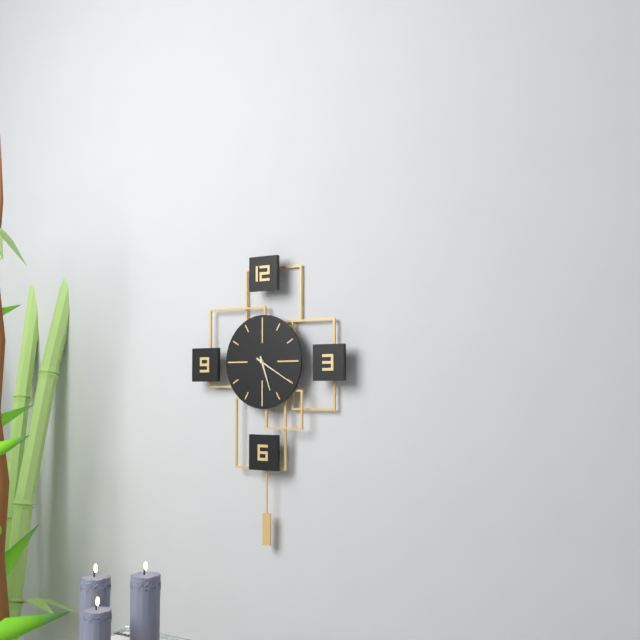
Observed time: 5.20
